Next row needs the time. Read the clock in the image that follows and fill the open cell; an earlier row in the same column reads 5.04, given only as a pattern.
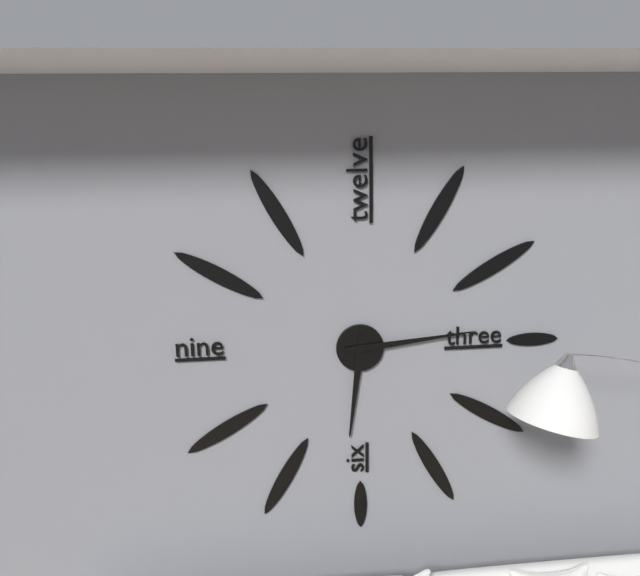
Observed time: 6.14
